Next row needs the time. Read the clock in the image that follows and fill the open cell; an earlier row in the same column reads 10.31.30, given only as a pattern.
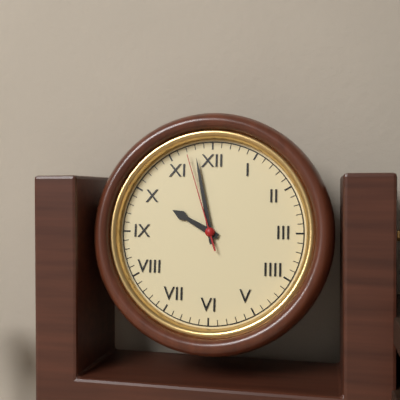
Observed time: 9.58.57
